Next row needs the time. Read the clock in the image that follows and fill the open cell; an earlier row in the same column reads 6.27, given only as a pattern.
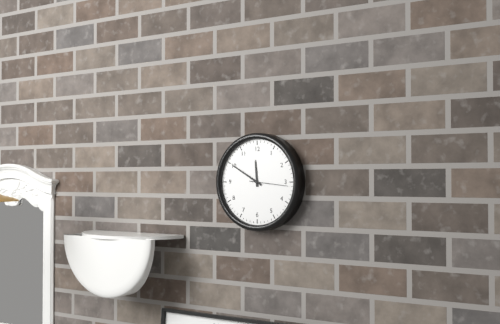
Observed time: 11.50
